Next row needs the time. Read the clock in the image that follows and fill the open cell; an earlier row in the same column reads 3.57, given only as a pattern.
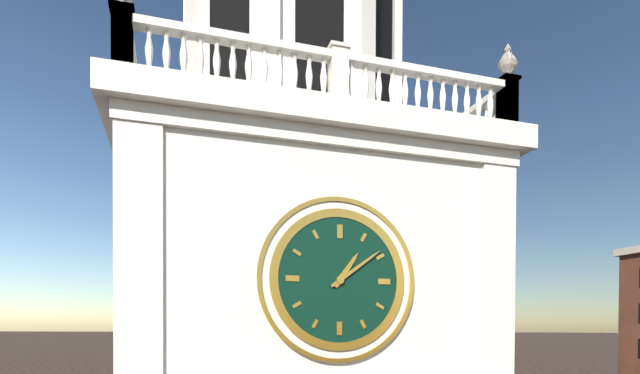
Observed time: 1.09
